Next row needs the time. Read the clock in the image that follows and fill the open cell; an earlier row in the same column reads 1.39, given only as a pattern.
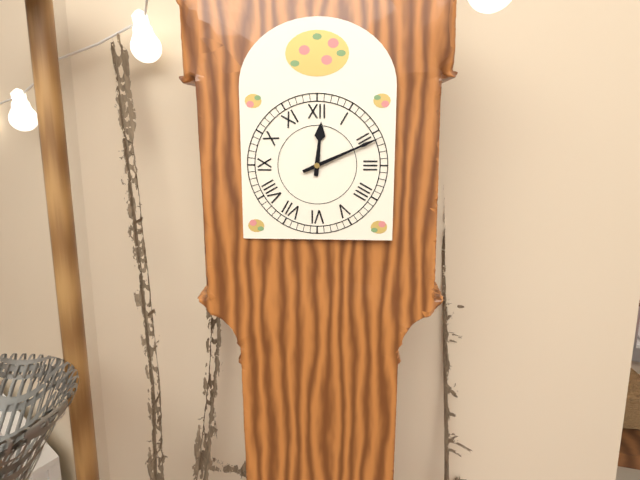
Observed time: 12.11
